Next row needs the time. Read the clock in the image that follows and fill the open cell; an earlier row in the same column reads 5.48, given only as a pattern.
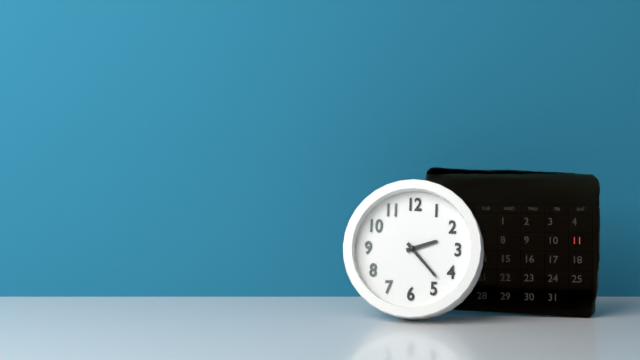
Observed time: 2.23
